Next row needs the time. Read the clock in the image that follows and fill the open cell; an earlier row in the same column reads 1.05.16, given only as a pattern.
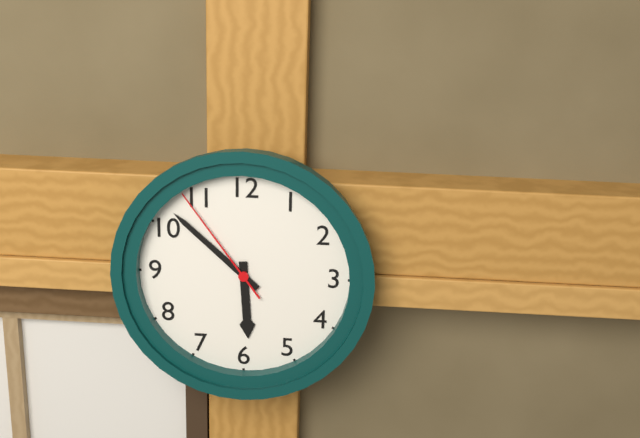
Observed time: 5.52.54
